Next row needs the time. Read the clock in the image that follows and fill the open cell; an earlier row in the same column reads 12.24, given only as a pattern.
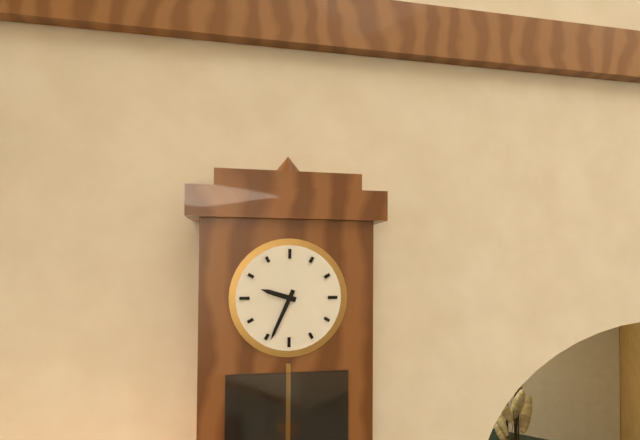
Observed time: 9.34
